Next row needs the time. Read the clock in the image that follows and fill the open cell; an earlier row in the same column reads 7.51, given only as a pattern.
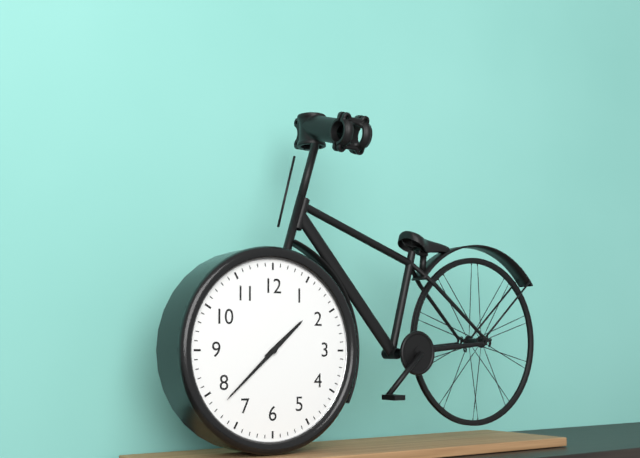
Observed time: 1.38
